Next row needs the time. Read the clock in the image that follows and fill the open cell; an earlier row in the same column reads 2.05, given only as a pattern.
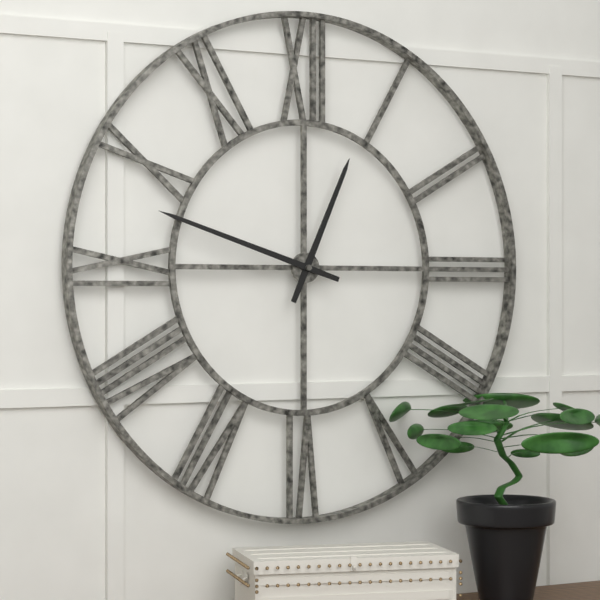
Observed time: 12.48
